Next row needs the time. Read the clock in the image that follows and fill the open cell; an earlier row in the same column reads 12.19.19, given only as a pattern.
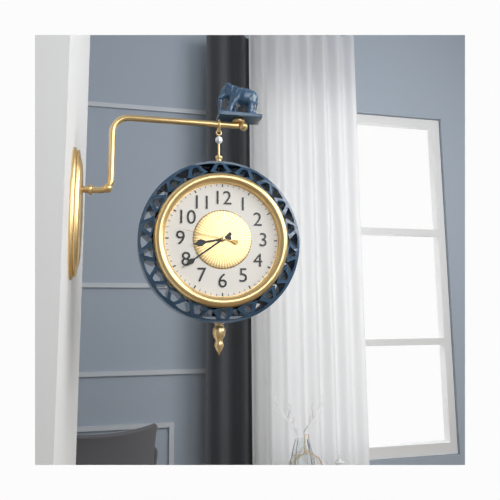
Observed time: 8.39.47
